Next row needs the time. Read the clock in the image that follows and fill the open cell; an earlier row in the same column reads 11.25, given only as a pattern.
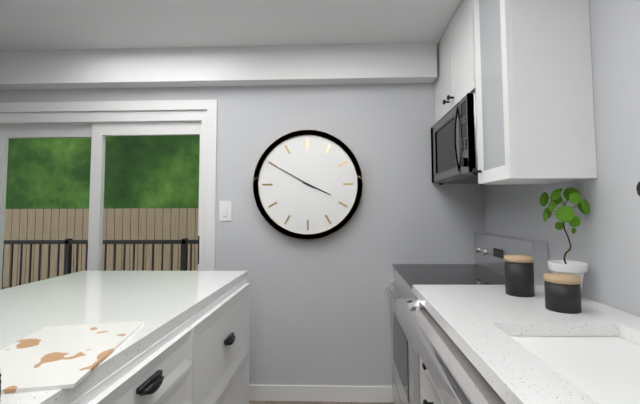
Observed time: 3.50
